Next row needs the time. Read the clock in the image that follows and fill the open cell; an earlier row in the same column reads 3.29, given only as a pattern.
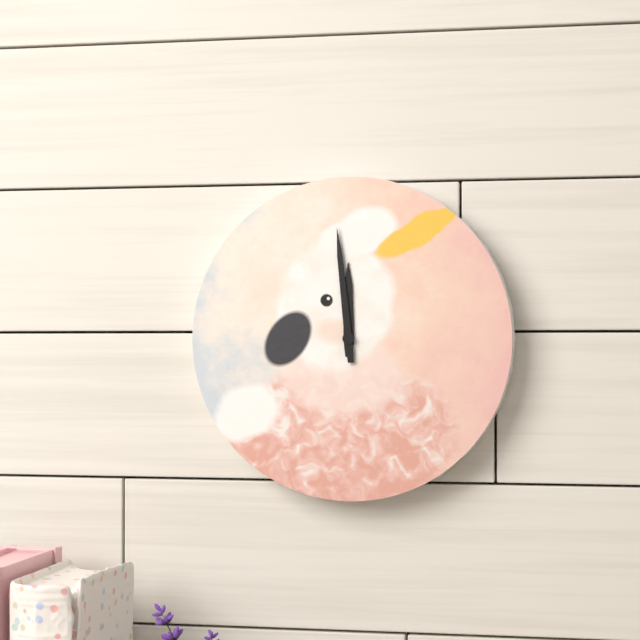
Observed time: 11.59
